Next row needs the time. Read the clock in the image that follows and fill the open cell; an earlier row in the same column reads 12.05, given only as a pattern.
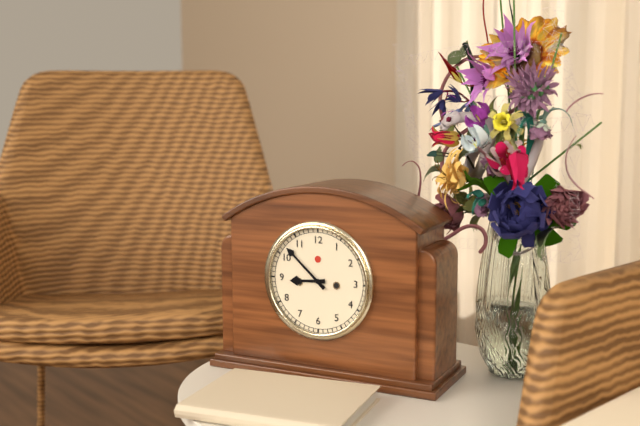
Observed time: 8.52
